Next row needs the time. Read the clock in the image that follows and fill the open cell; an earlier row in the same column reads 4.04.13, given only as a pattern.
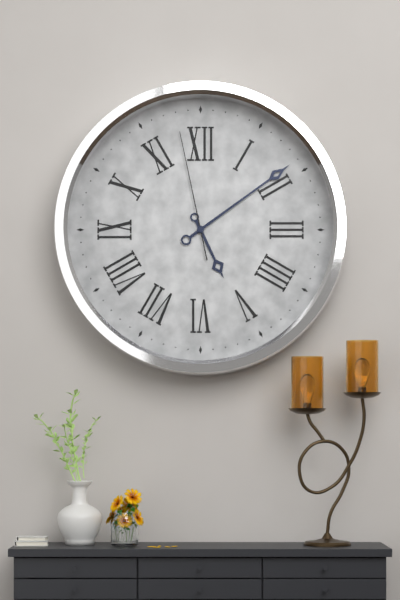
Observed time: 5.09.58
